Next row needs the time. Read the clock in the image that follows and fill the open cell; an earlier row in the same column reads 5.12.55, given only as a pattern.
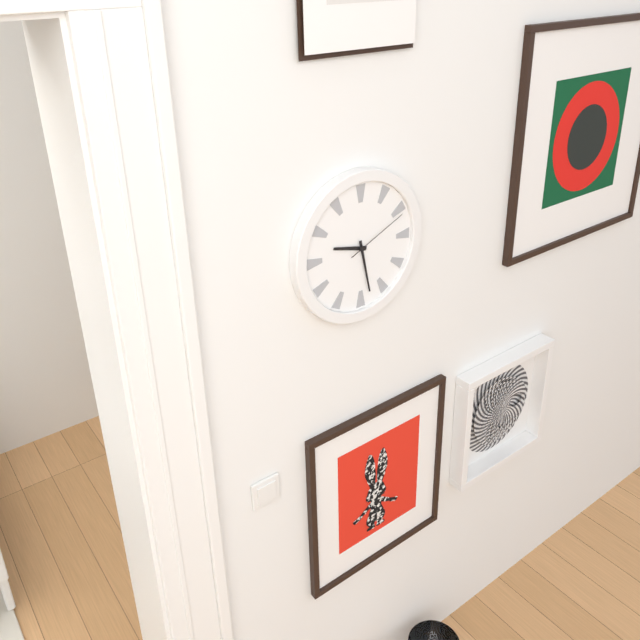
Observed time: 9.28.11
